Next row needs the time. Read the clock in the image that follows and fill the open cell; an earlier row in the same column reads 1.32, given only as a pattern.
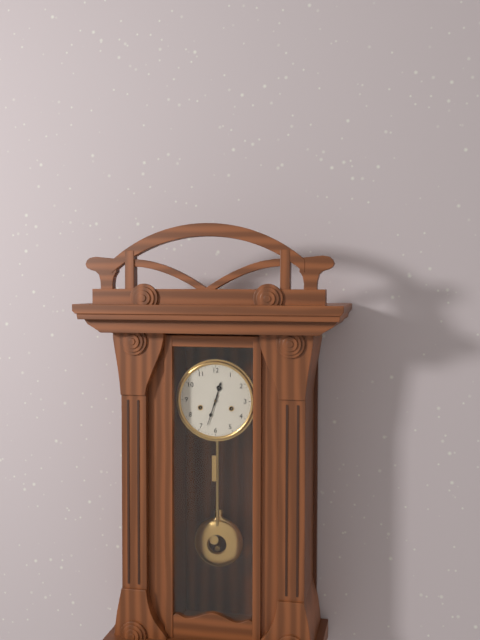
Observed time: 12.33
